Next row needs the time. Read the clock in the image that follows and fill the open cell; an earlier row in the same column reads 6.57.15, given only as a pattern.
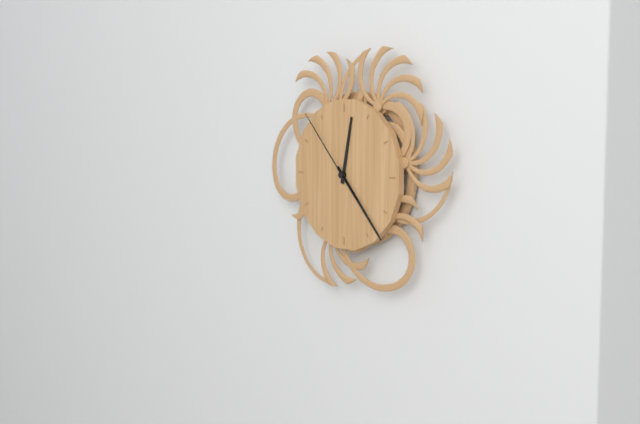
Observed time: 12.23.53
